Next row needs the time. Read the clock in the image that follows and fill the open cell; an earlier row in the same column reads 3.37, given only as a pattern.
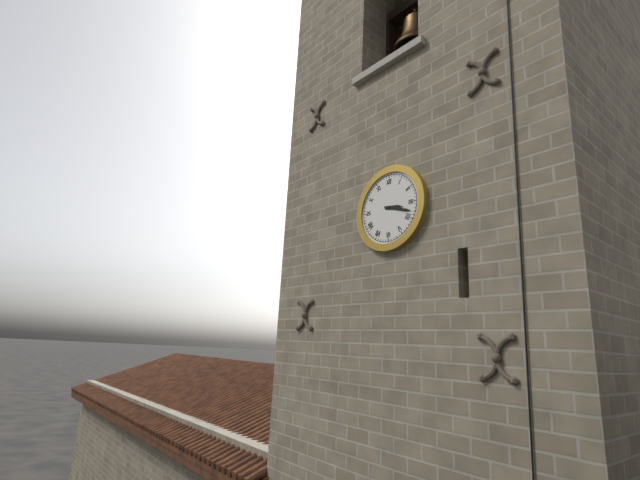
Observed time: 3.18
